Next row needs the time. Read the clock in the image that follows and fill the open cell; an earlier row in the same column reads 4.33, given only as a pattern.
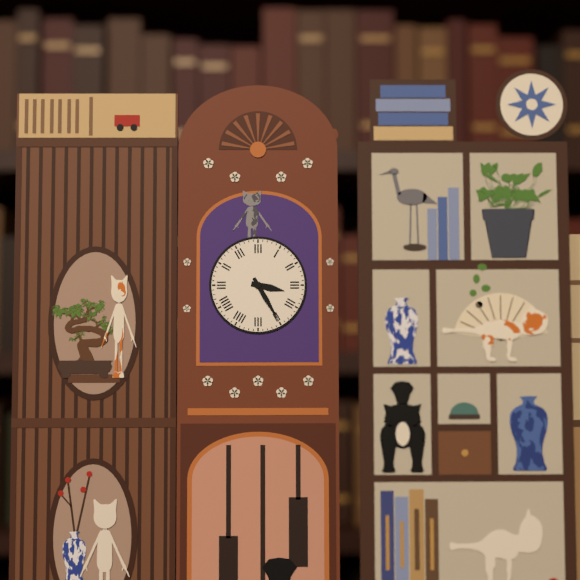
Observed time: 3.25
